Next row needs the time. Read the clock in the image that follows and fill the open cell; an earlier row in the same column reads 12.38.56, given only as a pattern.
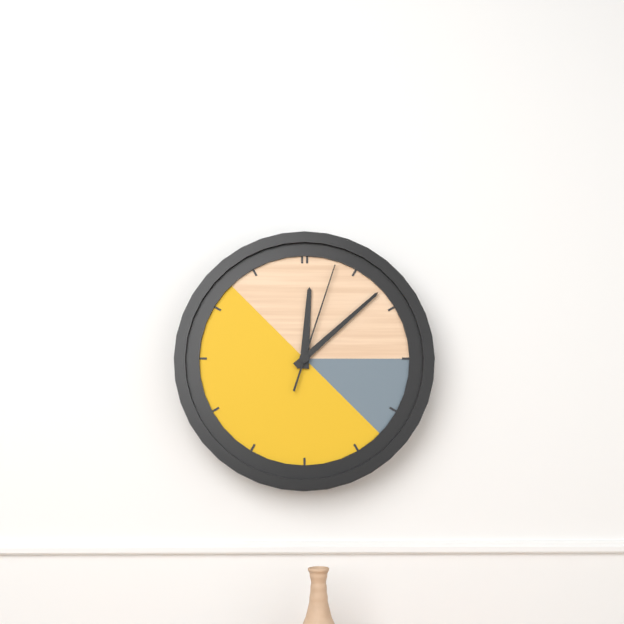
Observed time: 12.08.03
